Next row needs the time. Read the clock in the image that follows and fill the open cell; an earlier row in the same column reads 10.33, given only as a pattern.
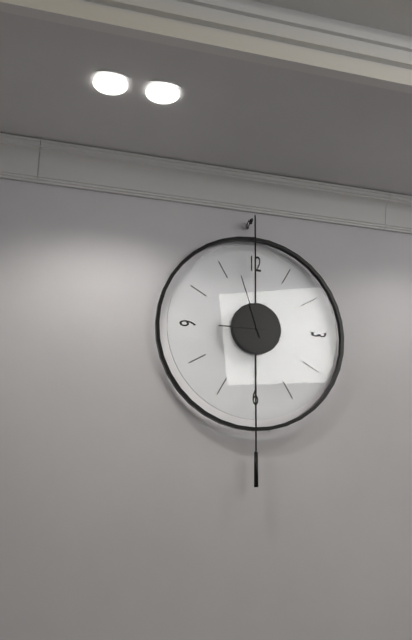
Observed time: 8.57
